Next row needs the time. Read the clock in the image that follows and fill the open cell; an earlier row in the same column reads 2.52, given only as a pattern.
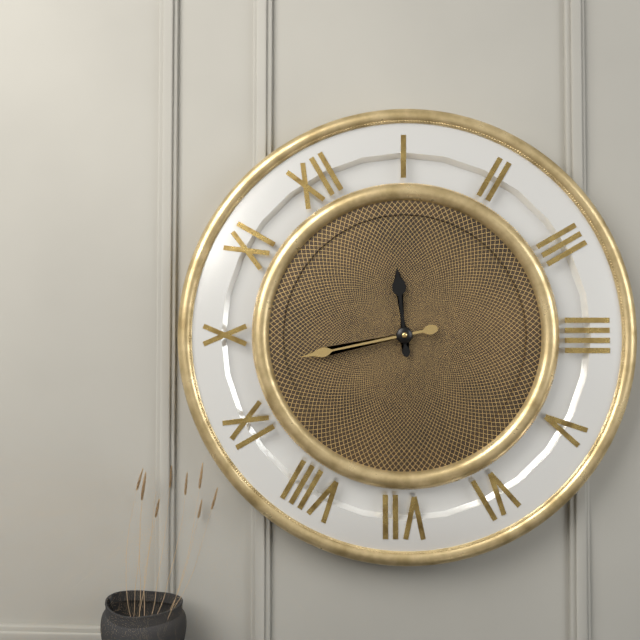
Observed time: 12.48
